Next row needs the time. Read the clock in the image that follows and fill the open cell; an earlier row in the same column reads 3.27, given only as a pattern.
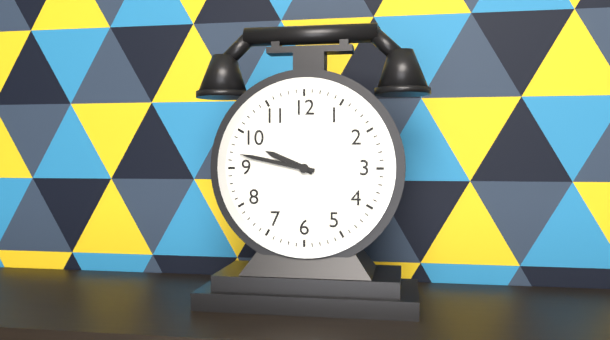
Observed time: 9.47
